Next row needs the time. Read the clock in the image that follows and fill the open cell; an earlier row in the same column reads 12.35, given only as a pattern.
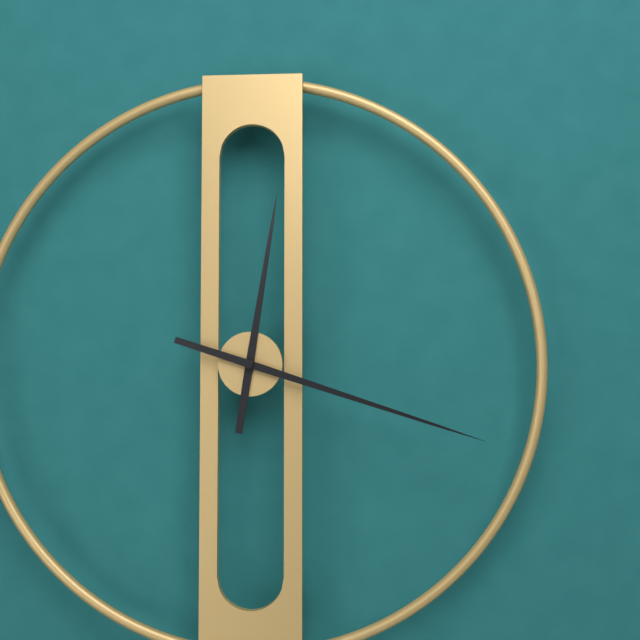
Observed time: 12.18
